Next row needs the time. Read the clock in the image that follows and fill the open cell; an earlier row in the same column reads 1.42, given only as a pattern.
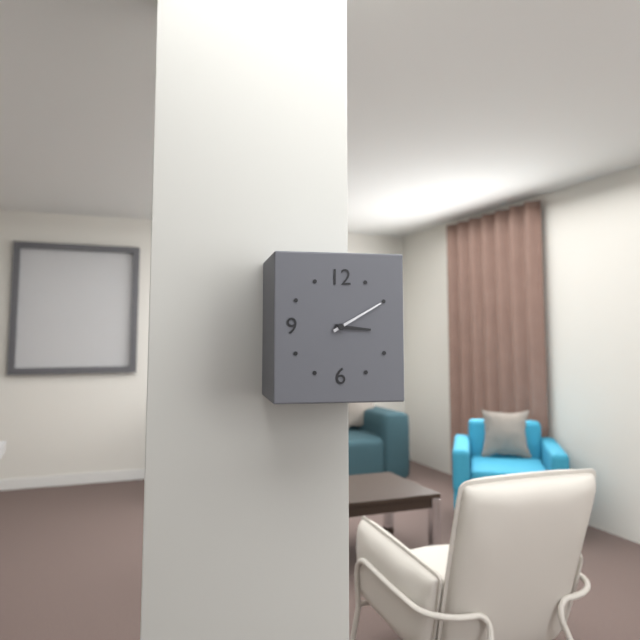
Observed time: 3.10
